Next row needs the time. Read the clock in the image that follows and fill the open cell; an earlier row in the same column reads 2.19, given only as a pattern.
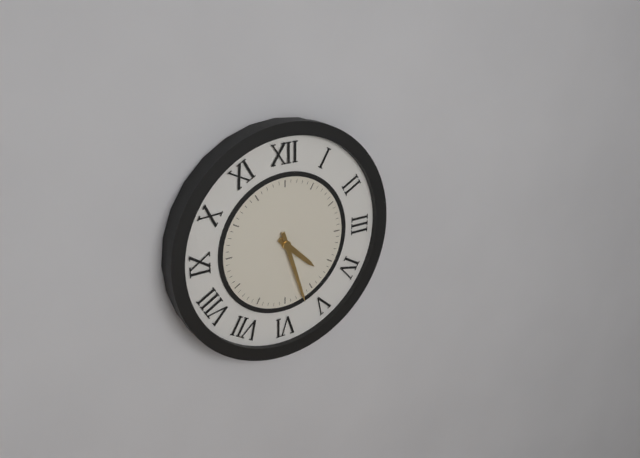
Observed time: 4.27
